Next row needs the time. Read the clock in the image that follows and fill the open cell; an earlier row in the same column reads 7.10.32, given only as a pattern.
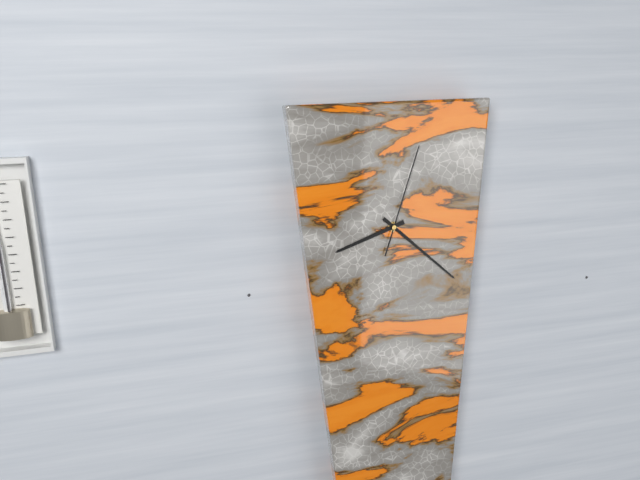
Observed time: 8.22.03
